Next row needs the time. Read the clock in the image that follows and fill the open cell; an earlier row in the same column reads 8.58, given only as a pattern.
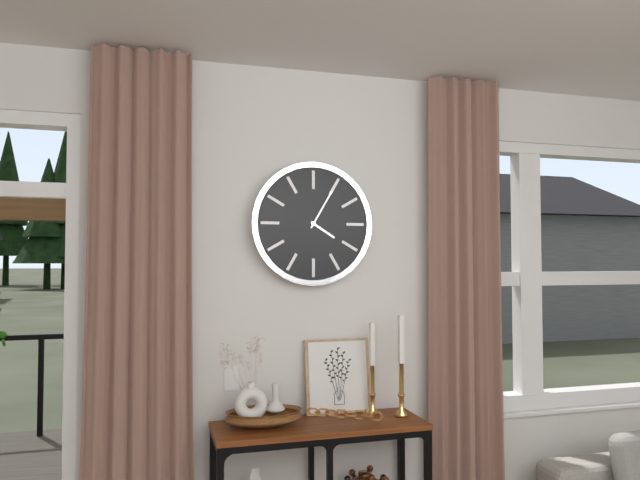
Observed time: 4.05
